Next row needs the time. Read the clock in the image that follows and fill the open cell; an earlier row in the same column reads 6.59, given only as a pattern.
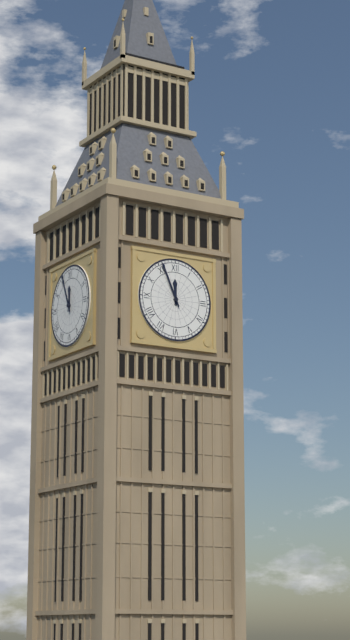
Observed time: 11.56
